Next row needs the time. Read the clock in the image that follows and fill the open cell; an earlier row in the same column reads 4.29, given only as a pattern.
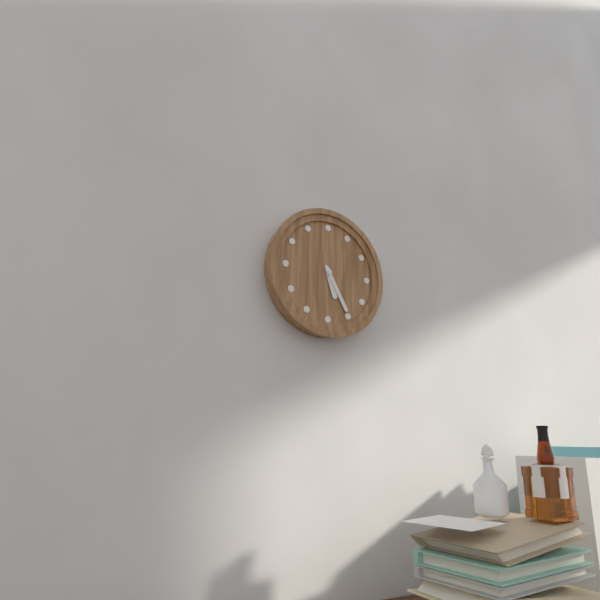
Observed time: 5.25
